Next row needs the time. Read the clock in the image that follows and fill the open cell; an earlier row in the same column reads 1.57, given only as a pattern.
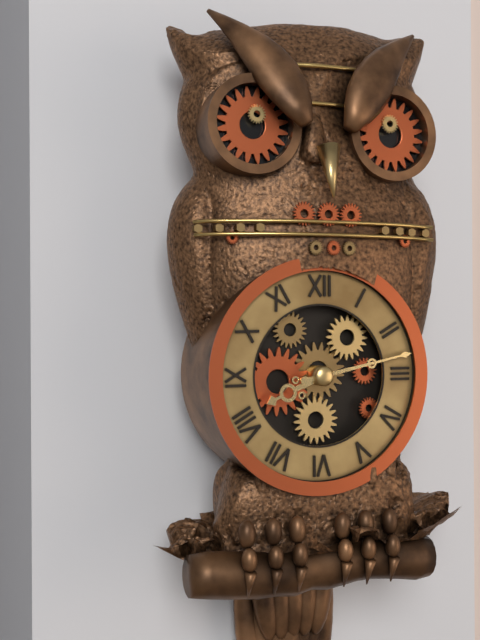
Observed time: 8.13
